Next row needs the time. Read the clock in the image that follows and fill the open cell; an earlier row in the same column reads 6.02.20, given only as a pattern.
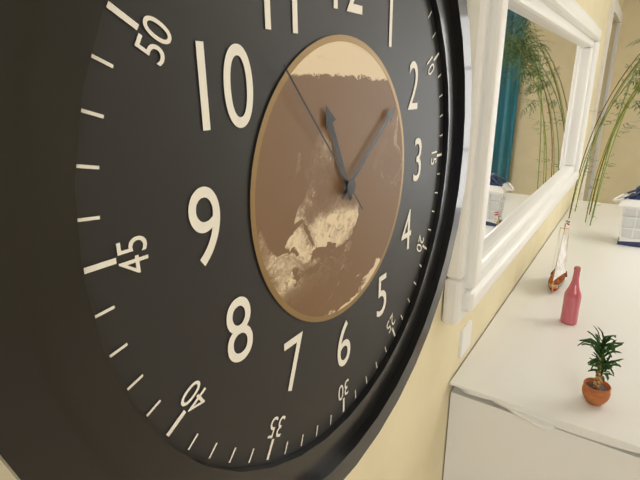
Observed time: 11.09.53
